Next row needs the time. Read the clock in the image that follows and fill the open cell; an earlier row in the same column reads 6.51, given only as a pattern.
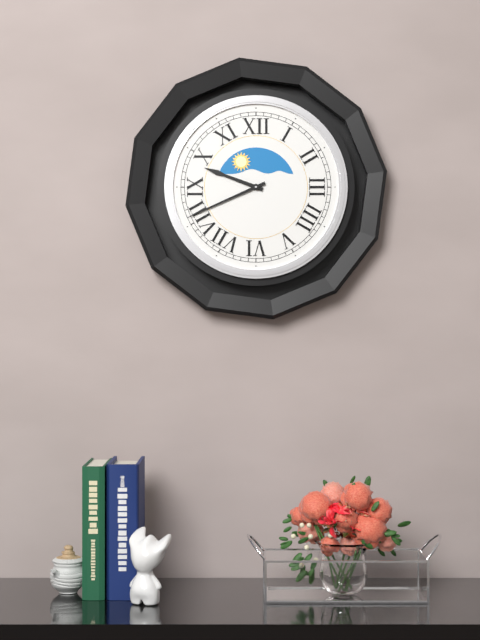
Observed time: 9.41
